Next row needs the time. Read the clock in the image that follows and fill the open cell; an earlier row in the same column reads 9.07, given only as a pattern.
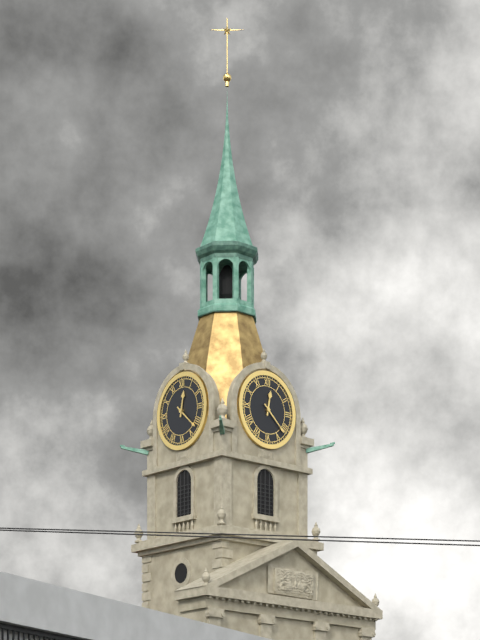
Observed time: 12.22
